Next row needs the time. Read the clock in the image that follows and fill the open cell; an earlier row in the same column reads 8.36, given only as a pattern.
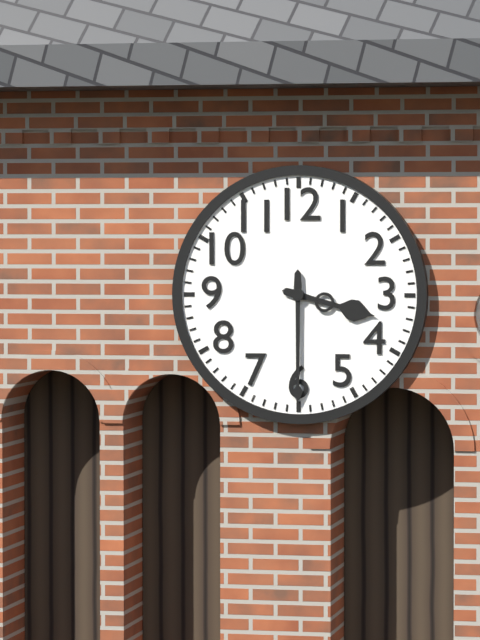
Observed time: 3.30
